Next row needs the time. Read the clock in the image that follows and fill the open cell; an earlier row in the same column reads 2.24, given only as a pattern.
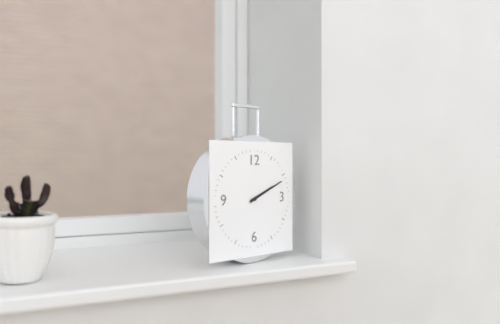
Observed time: 2.11
